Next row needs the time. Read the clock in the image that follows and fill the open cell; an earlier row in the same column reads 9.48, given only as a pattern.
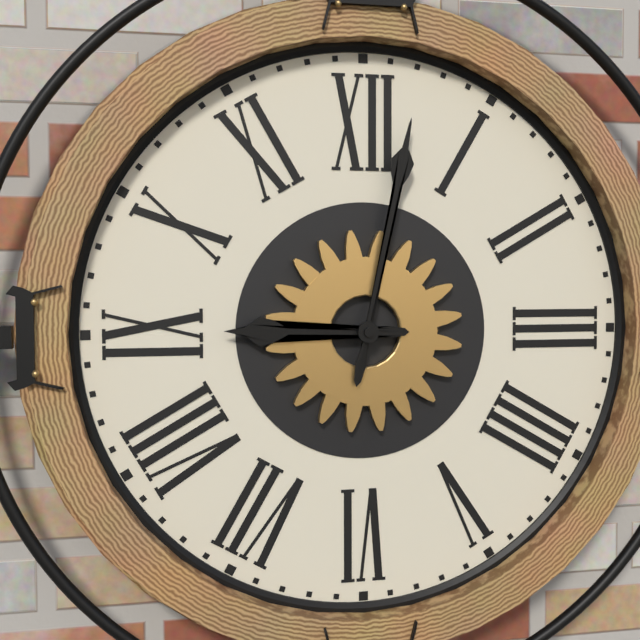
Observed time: 9.02
